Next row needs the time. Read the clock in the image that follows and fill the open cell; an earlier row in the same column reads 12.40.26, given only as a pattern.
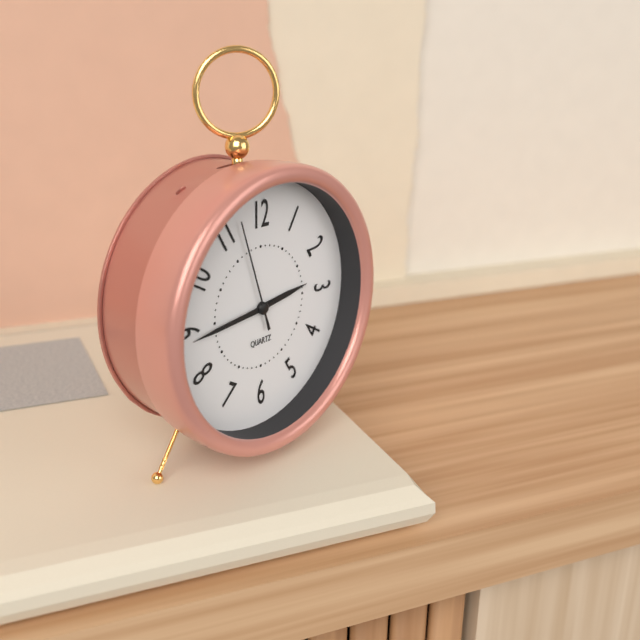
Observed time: 2.44.57
